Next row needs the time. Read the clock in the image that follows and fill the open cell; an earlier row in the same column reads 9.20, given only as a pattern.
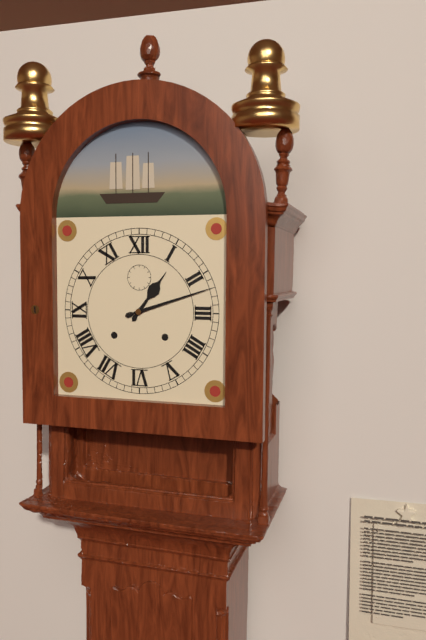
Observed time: 1.12
